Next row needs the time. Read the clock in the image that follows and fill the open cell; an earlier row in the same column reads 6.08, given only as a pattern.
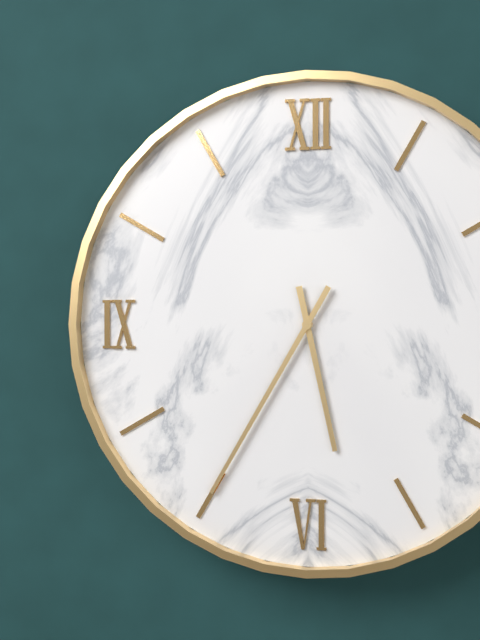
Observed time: 5.35
